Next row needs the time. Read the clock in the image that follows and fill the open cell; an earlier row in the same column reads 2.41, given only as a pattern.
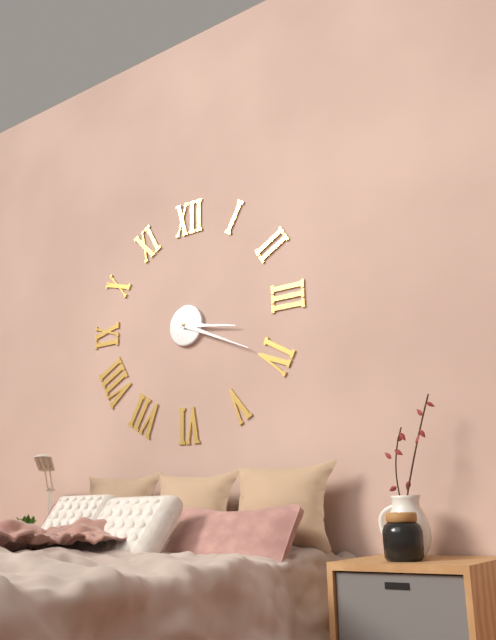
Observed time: 3.19
